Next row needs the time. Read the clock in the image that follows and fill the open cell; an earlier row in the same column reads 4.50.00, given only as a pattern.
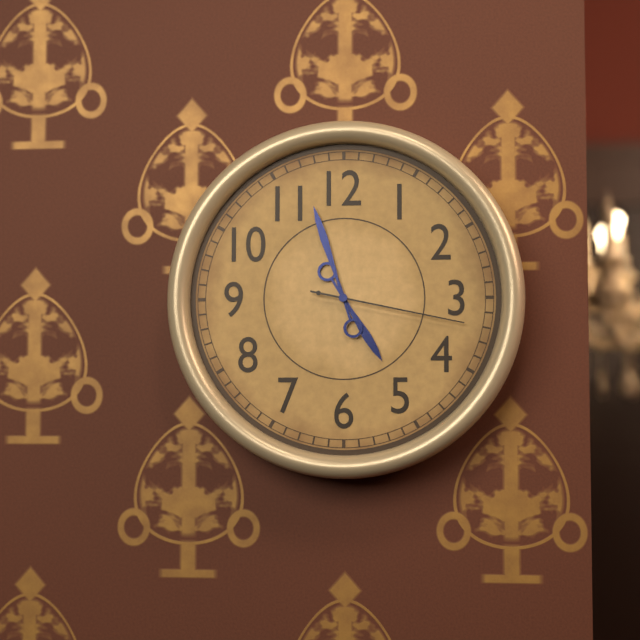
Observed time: 4.57.17
